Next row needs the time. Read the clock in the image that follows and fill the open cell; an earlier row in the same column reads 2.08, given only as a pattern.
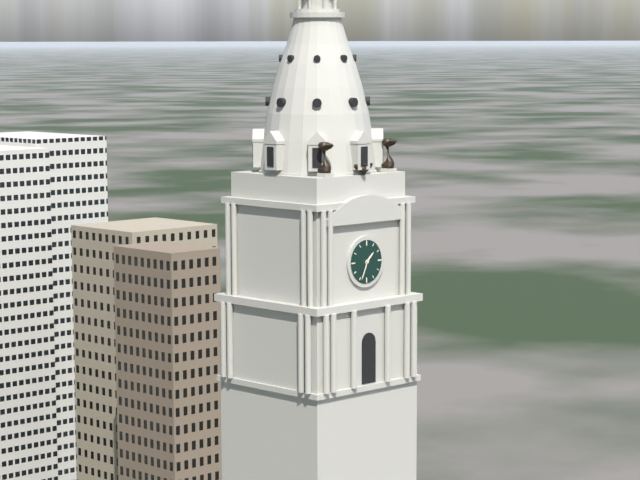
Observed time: 1.34
